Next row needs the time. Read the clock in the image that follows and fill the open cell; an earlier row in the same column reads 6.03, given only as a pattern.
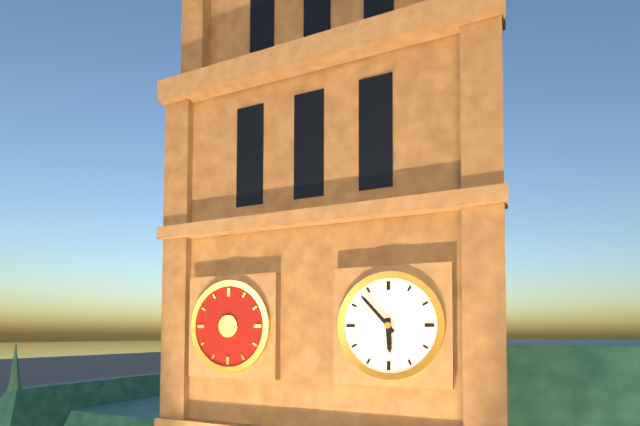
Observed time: 5.53
